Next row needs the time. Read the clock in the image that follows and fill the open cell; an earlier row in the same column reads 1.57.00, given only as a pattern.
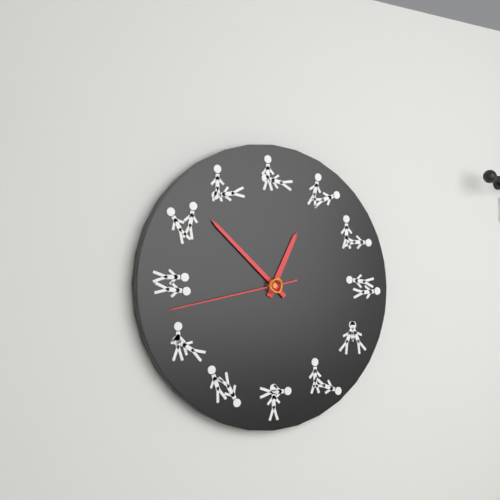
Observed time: 12.52.43
